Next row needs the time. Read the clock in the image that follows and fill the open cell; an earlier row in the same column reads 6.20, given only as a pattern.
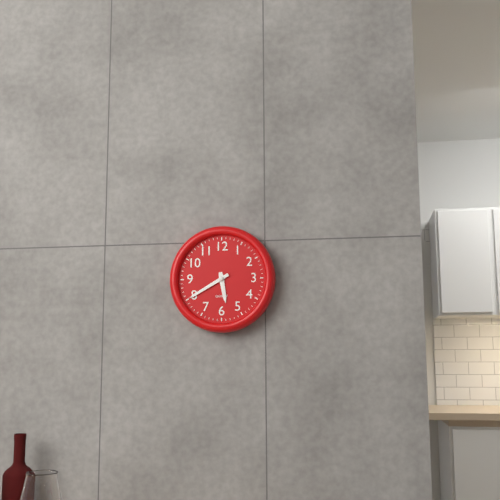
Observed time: 5.40
